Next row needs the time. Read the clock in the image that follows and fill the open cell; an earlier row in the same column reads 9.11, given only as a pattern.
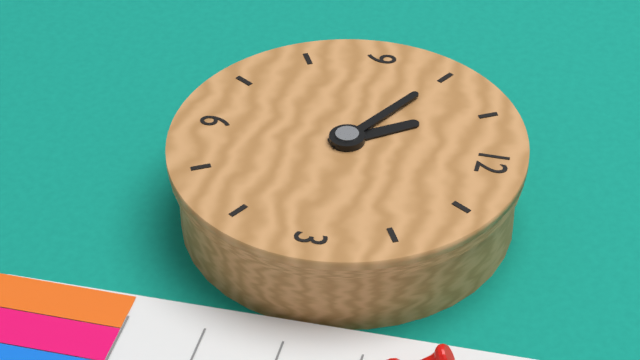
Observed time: 10.50
